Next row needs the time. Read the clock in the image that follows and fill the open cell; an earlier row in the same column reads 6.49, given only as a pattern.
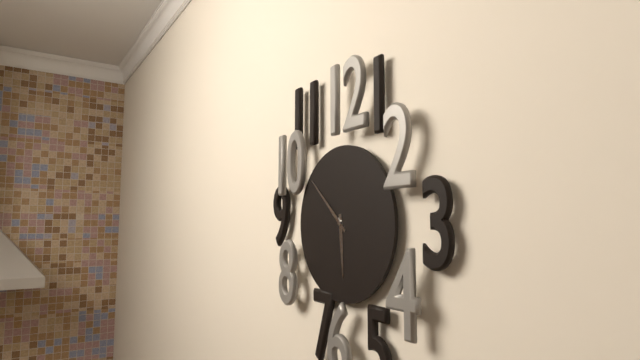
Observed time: 5.52
